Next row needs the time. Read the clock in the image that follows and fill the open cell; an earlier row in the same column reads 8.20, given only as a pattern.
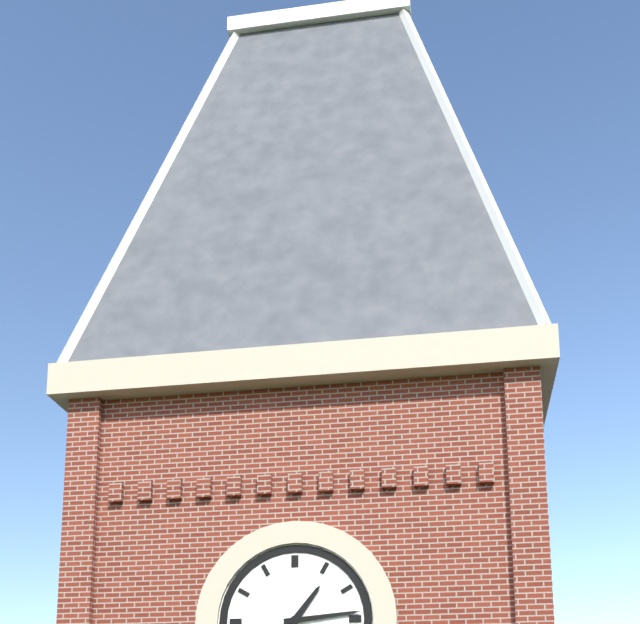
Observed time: 1.14
